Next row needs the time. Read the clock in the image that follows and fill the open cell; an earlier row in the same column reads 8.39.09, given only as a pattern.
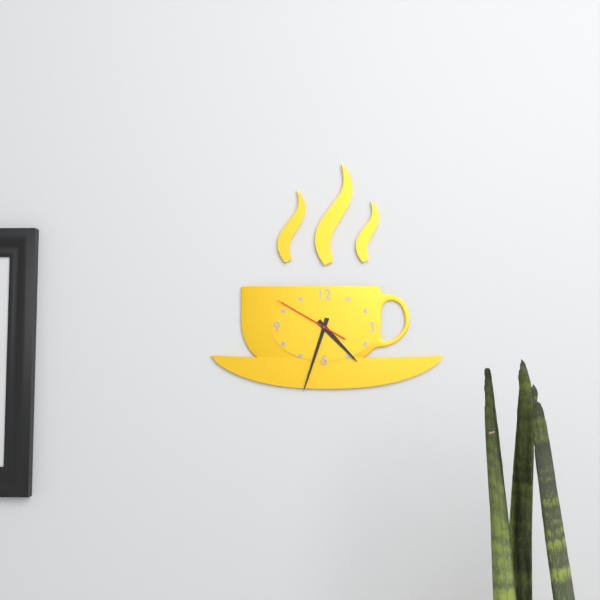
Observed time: 4.33.50
